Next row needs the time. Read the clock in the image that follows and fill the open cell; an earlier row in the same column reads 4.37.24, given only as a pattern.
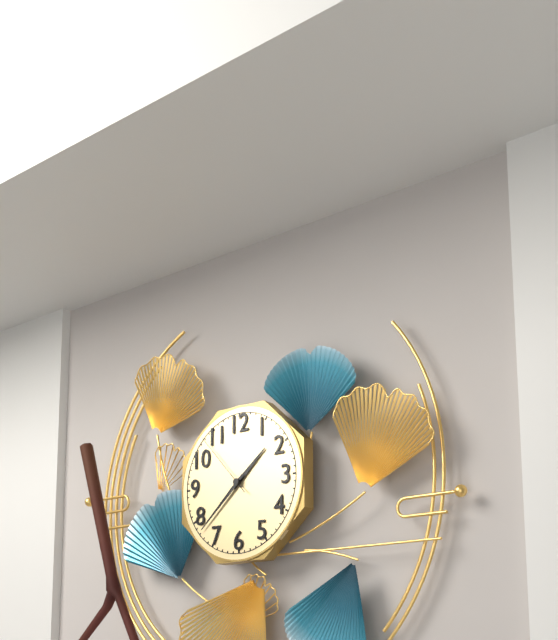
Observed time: 1.38.53
